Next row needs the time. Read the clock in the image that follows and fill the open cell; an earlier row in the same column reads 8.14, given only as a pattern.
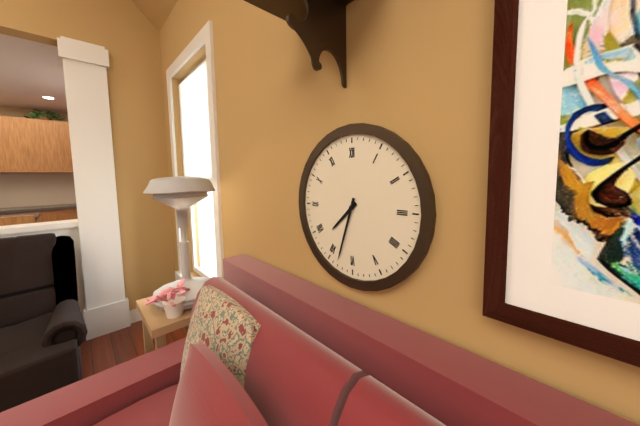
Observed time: 7.33
